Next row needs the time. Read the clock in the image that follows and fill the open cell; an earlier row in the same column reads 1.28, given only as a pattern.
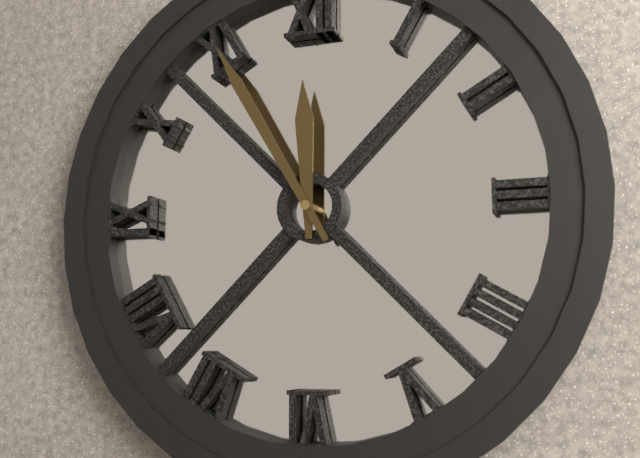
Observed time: 11.55
